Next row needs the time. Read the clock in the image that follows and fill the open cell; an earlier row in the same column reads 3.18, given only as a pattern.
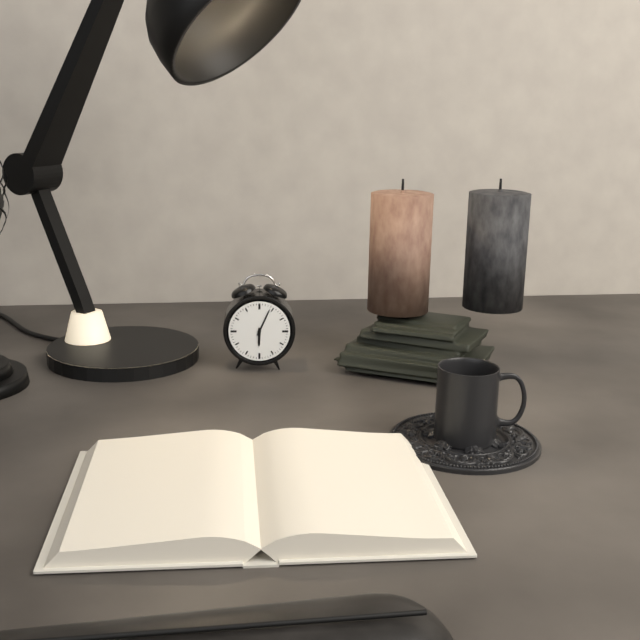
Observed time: 6.04
